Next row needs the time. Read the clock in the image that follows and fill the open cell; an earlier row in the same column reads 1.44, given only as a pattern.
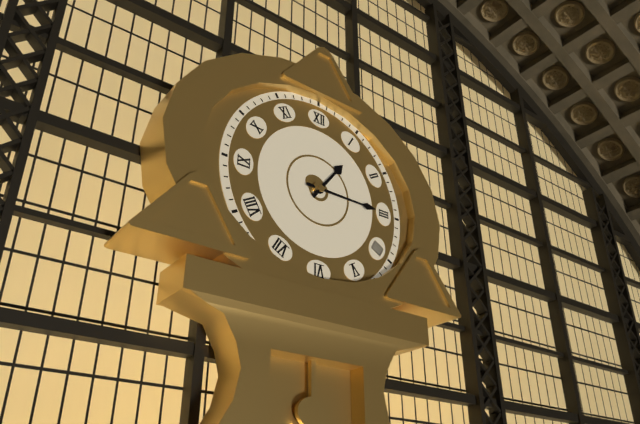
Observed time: 1.15
